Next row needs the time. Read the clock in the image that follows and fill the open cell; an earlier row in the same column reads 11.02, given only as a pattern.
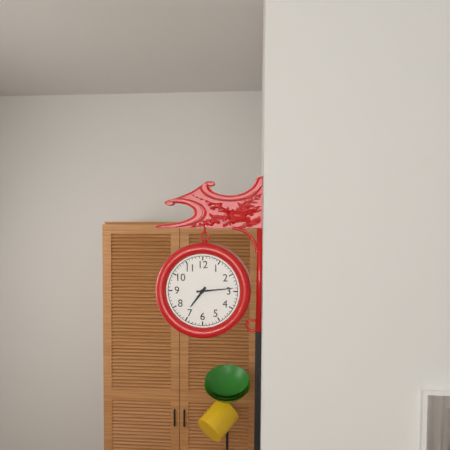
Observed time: 7.14
